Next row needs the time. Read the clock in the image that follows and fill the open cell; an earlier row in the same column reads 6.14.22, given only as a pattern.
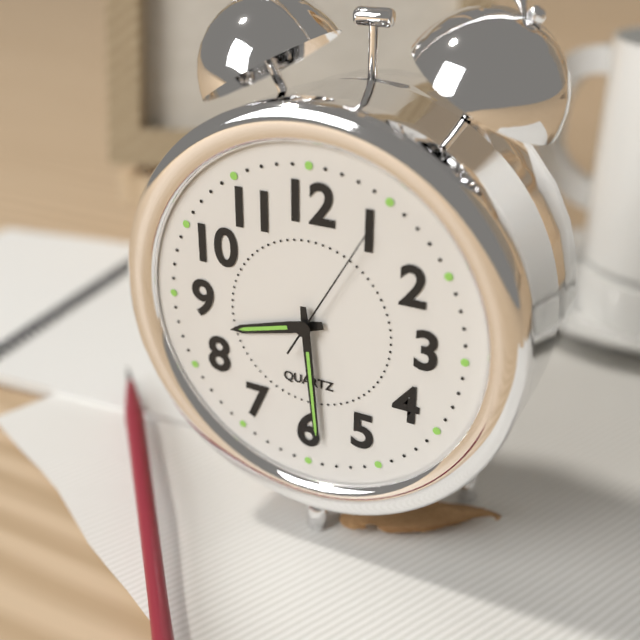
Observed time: 8.29.05
